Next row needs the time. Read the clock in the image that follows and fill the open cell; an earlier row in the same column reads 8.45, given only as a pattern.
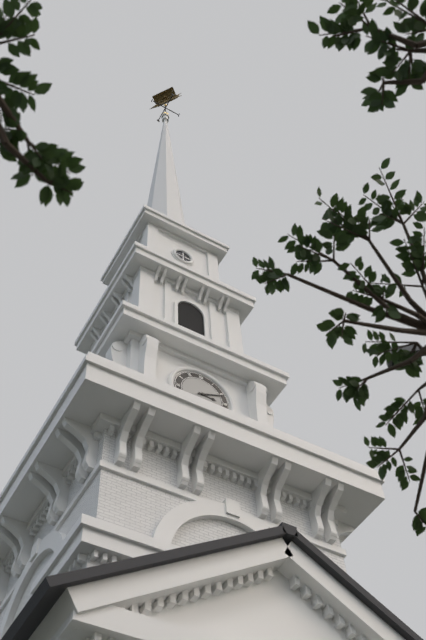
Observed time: 3.11
